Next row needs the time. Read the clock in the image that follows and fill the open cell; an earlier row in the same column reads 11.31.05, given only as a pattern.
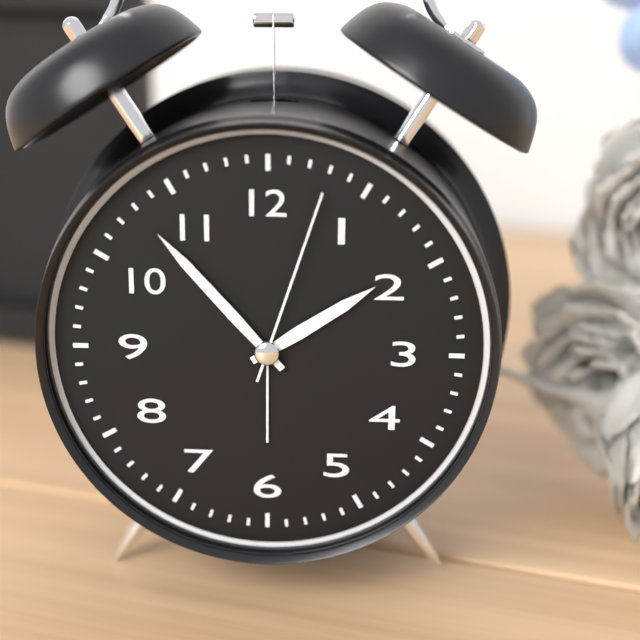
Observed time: 1.53.03
